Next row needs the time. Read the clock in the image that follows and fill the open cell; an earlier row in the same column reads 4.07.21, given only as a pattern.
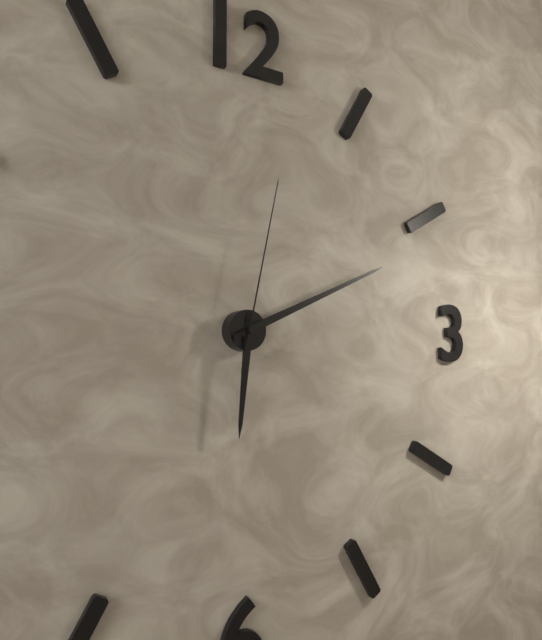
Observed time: 6.11.02
